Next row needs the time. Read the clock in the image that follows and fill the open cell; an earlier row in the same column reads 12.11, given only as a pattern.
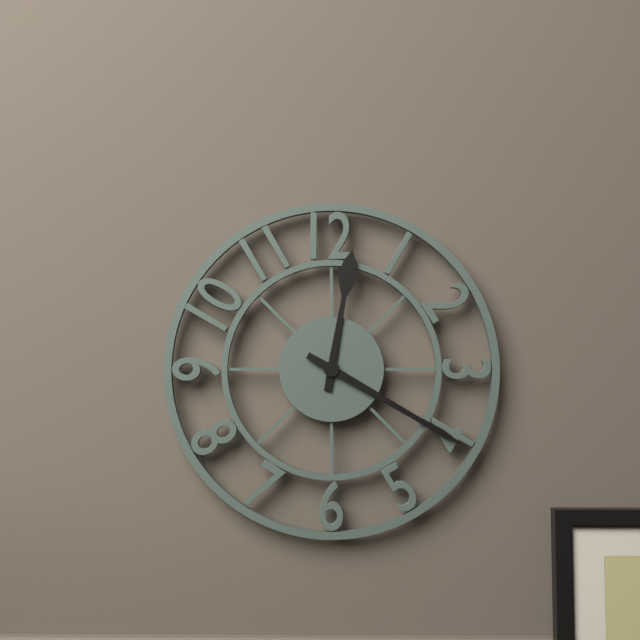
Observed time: 12.20
